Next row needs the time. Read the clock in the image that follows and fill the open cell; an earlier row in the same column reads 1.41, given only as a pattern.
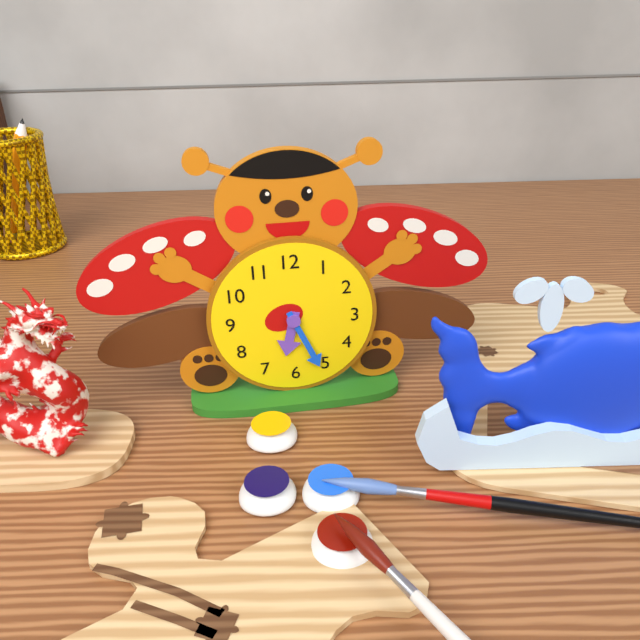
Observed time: 6.26
